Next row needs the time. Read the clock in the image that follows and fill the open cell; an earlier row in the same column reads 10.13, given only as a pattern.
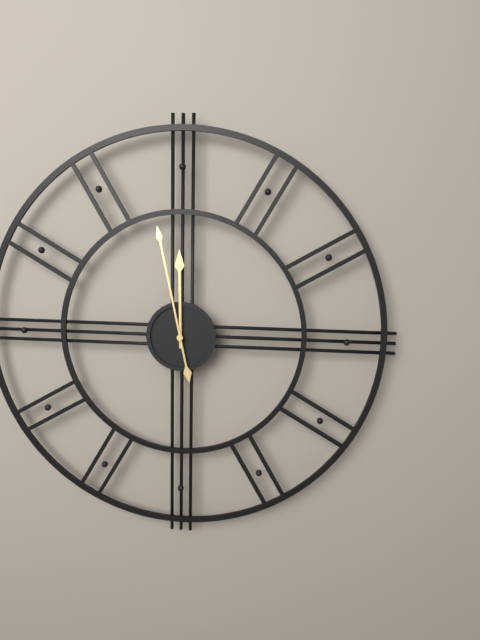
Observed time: 11.58
